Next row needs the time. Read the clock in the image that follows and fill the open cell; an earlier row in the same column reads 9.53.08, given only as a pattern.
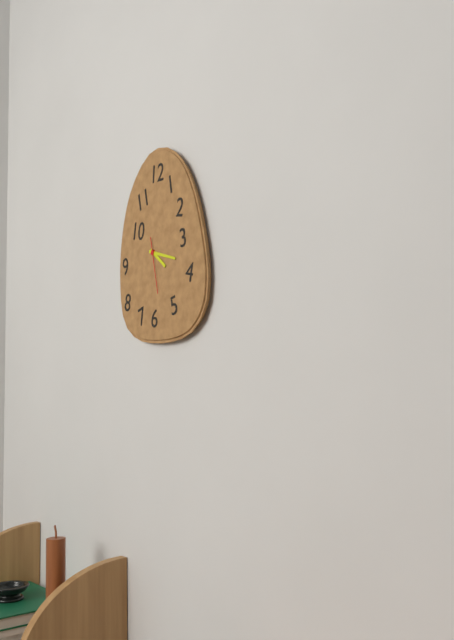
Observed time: 4.18.28
